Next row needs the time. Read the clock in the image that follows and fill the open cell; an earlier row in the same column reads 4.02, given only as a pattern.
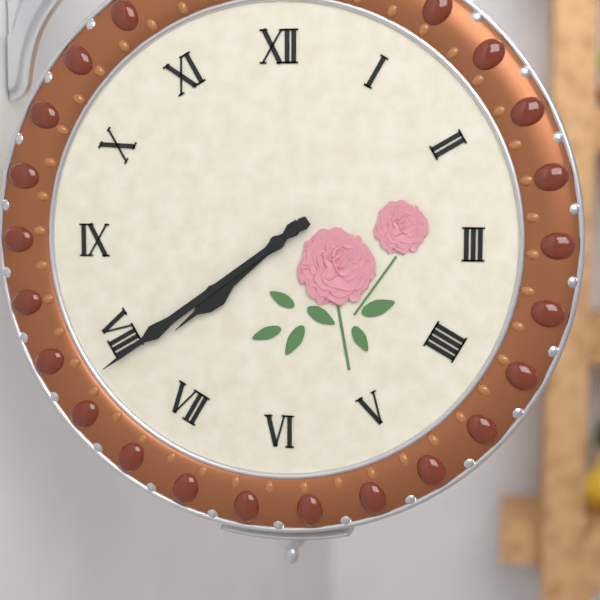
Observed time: 7.39
